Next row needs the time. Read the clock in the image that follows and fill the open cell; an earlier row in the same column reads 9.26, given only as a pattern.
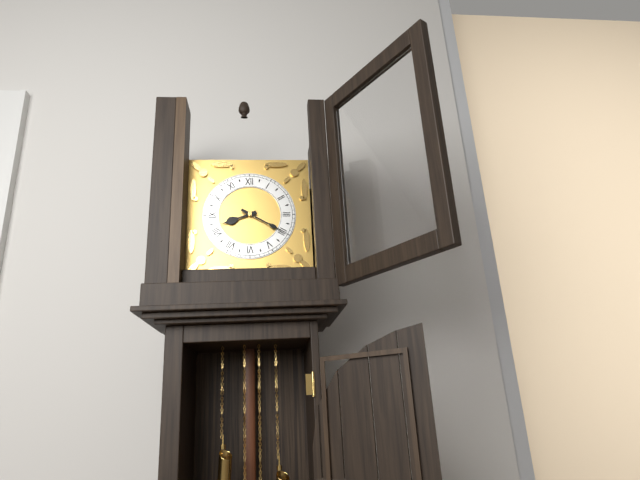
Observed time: 8.20
